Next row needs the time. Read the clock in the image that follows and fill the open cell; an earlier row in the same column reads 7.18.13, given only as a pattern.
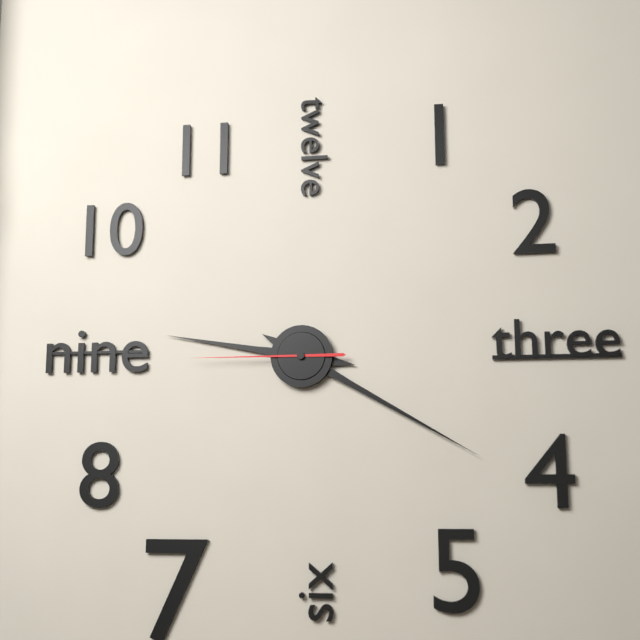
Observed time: 9.20.45
